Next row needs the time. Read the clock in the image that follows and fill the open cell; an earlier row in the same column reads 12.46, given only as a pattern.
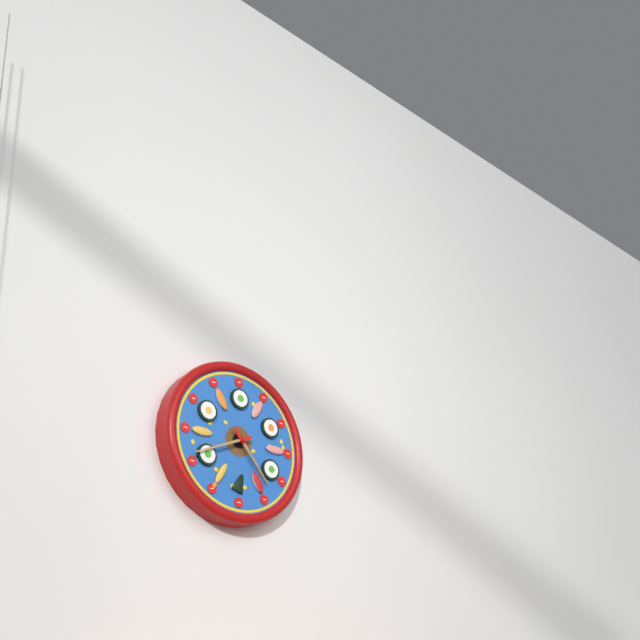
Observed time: 4.41
